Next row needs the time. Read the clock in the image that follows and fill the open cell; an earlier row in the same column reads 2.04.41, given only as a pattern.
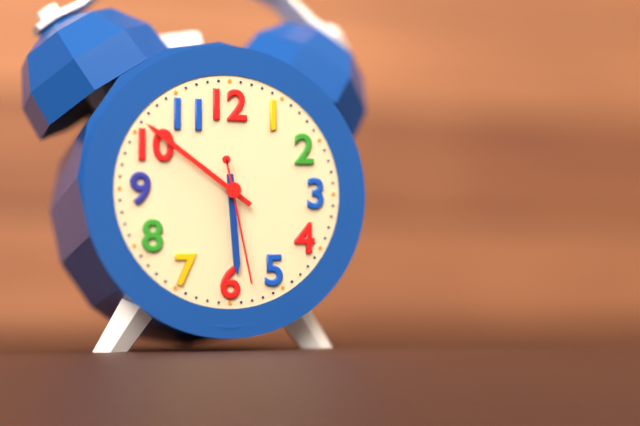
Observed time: 5.51.28
